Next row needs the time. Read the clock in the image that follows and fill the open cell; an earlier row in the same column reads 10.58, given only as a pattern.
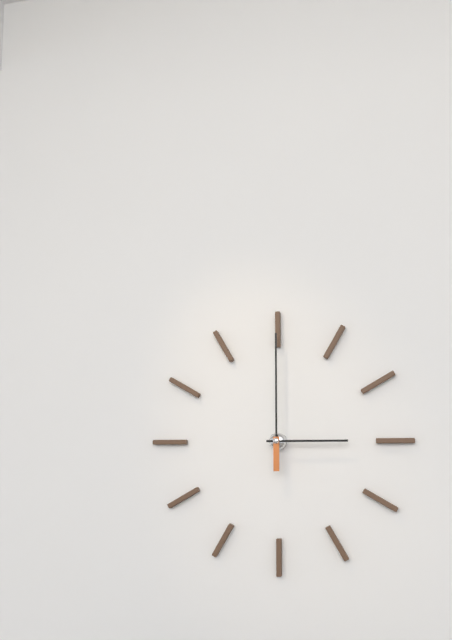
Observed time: 3.00
